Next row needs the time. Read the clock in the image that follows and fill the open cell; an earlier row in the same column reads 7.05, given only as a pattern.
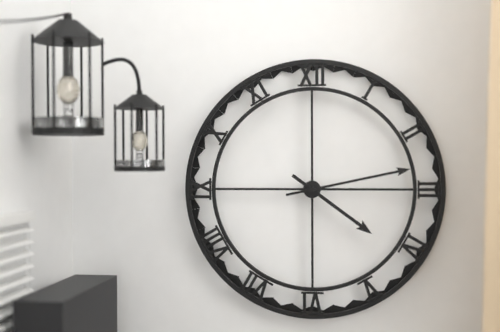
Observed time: 4.13
